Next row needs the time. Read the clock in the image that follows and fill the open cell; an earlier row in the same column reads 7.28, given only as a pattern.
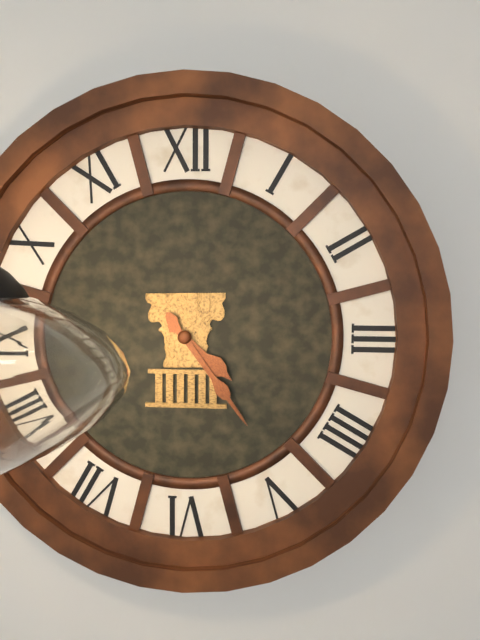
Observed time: 4.24
